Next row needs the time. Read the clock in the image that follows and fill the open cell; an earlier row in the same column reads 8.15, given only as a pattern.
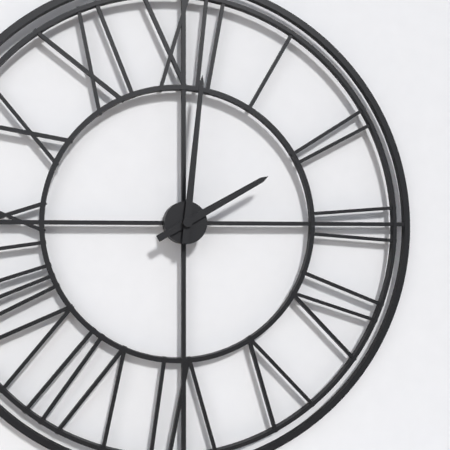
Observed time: 2.01
